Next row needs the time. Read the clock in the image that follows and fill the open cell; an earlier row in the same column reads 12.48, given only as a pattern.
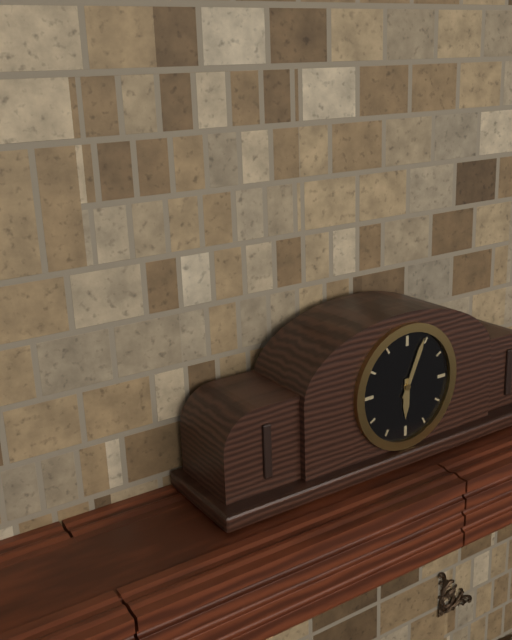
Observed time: 6.04
